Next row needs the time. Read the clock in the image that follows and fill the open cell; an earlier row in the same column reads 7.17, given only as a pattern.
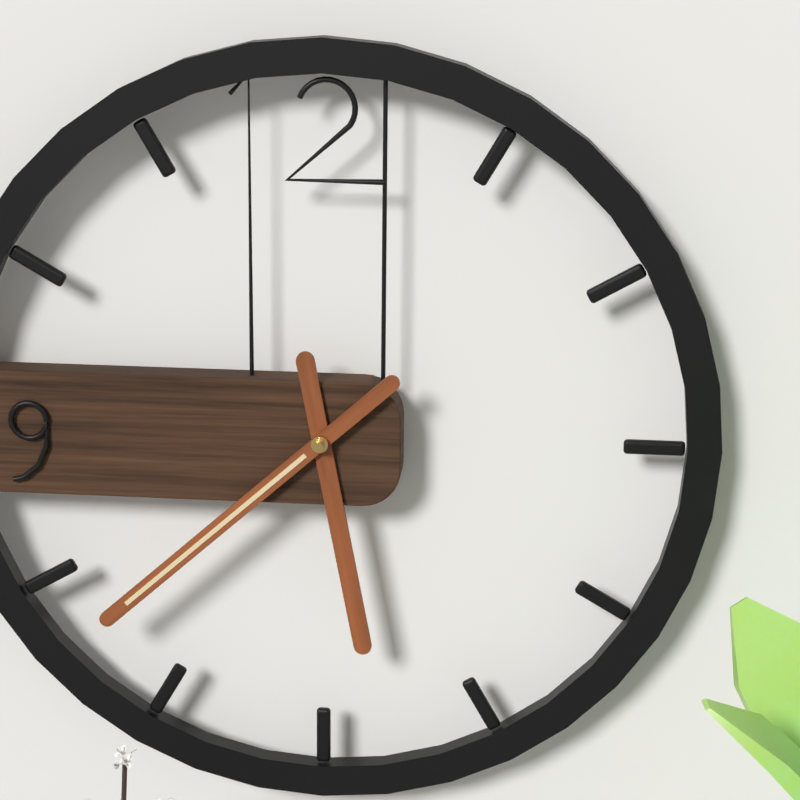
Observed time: 5.38
